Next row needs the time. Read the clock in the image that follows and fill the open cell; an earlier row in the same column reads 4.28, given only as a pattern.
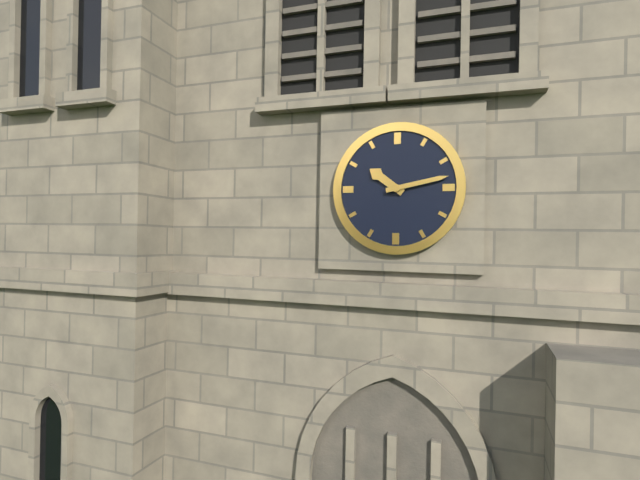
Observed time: 10.13
